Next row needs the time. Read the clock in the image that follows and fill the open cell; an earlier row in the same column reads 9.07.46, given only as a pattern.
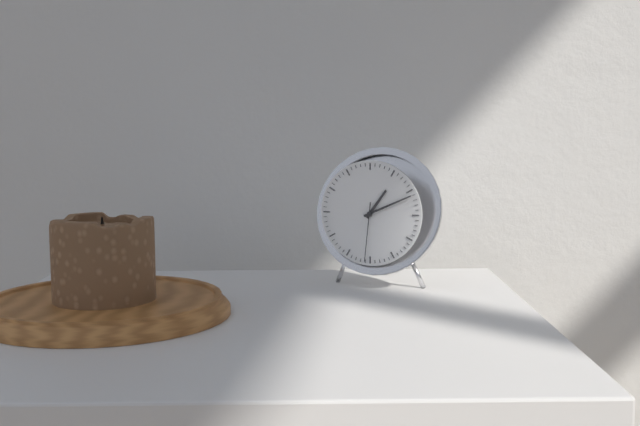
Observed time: 1.11.31
